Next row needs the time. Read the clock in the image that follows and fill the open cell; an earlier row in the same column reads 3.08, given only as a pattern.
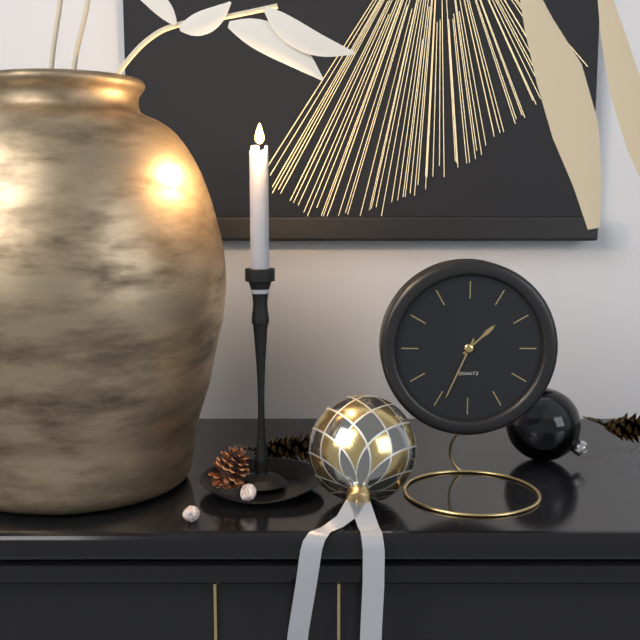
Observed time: 1.34
